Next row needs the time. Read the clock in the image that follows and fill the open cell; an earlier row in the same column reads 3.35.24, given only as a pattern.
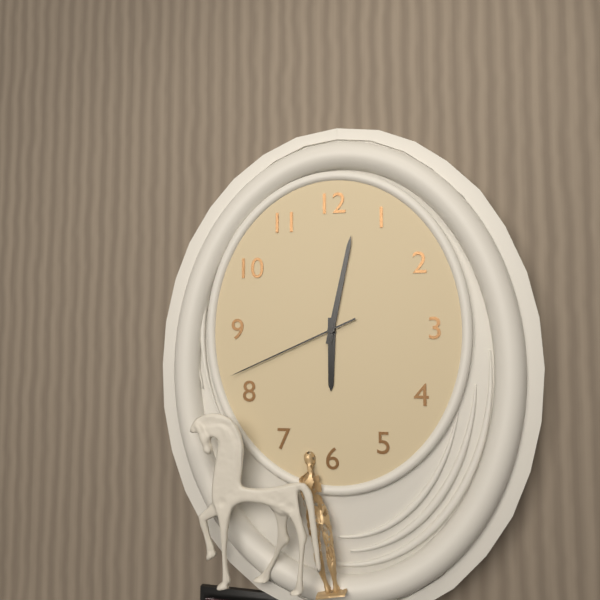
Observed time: 6.02.41
